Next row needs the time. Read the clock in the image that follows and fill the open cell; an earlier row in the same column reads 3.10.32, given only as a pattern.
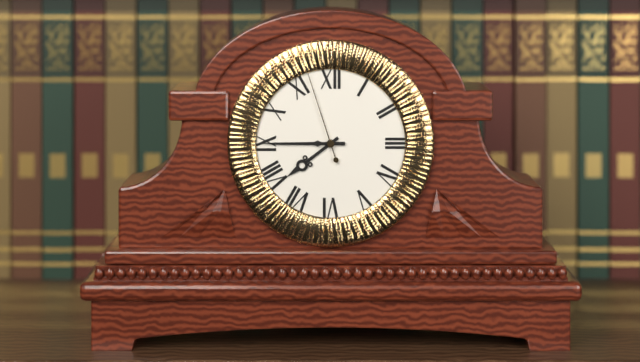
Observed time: 7.45.57
